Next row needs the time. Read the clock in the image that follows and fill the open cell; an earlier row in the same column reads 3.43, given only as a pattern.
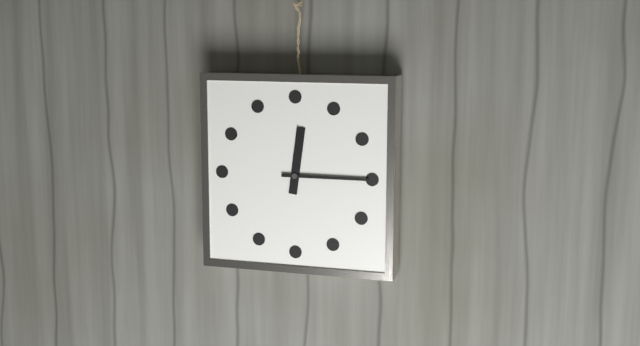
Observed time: 12.15
